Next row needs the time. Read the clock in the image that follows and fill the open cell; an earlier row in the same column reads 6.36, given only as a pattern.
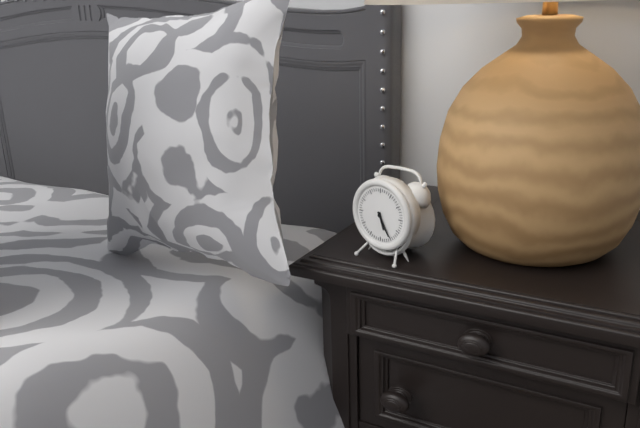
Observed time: 5.25
